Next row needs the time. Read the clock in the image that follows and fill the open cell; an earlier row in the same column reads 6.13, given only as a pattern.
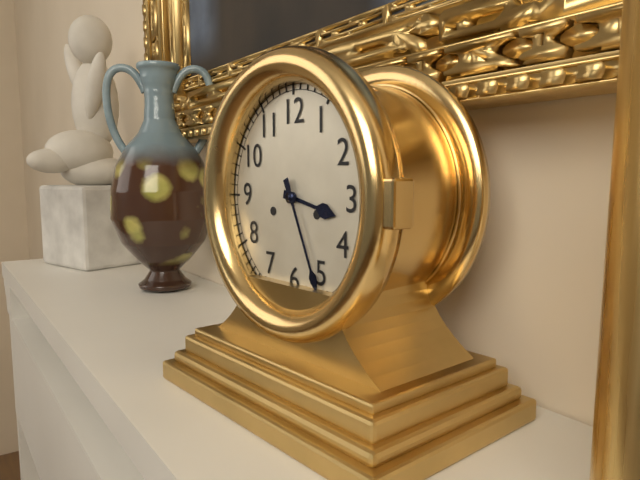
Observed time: 3.26
